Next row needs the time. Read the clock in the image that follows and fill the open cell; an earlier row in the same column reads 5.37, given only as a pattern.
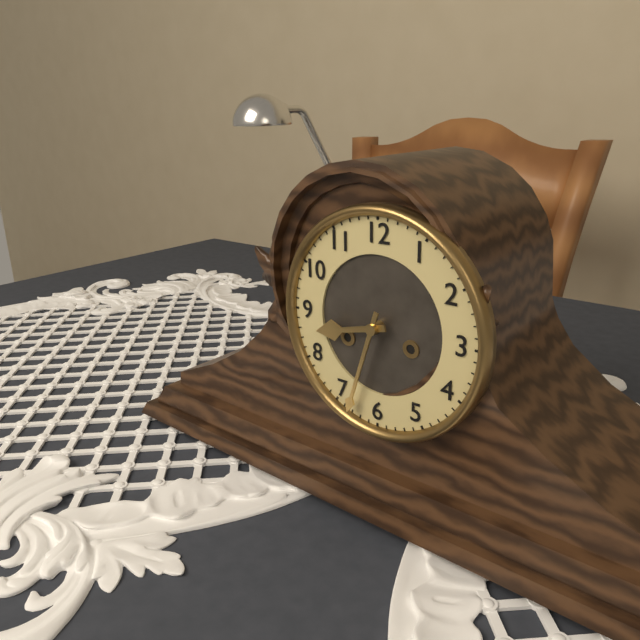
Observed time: 8.33
